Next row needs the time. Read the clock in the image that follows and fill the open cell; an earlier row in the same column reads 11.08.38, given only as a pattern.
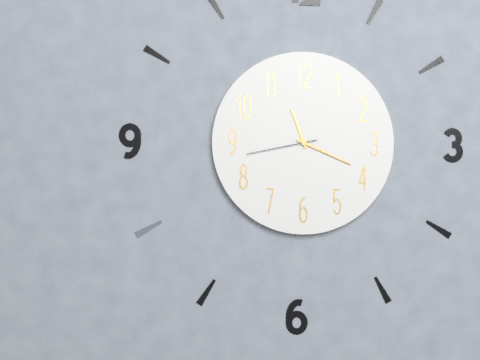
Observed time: 11.19.43
